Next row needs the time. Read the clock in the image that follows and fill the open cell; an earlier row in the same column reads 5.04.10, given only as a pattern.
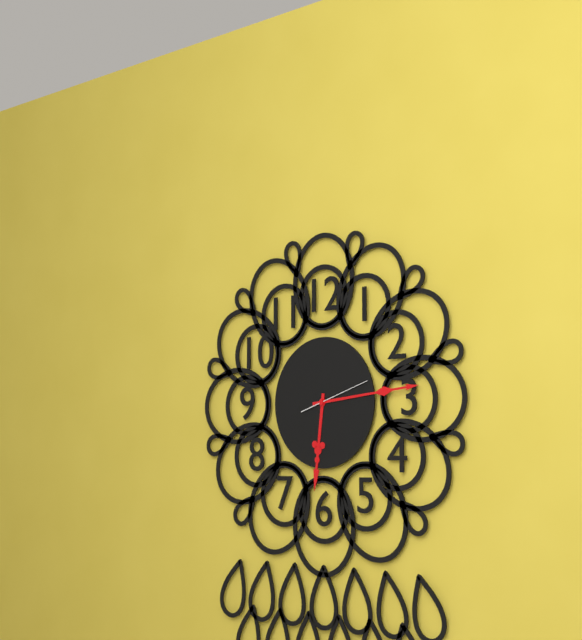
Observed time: 6.14.12
